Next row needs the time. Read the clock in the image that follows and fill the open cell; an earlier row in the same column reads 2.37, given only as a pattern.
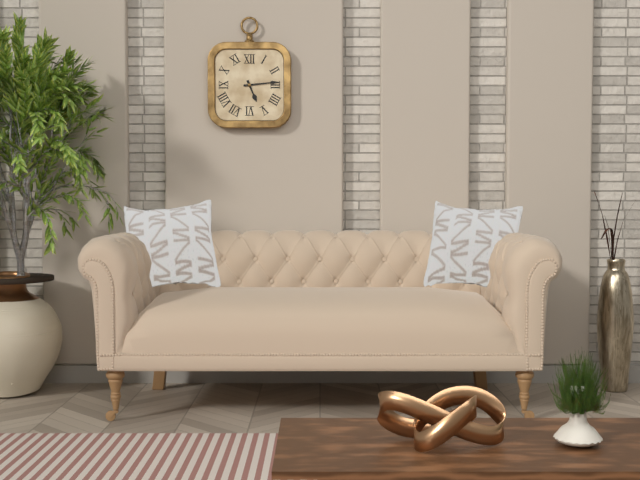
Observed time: 5.14
